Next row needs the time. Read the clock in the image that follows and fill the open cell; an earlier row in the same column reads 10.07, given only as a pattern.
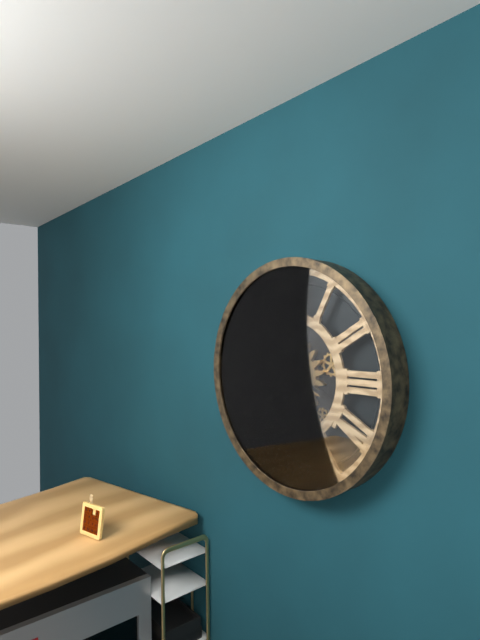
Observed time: 3.38
